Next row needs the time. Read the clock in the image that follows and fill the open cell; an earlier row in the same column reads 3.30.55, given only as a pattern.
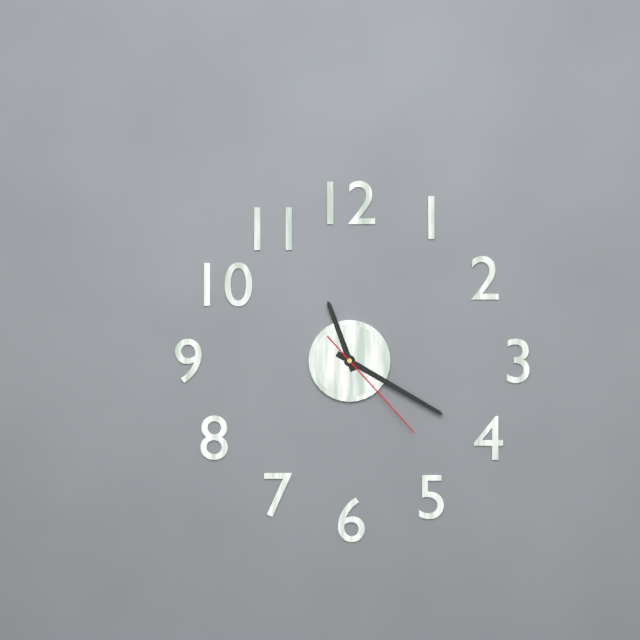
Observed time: 11.20.23
